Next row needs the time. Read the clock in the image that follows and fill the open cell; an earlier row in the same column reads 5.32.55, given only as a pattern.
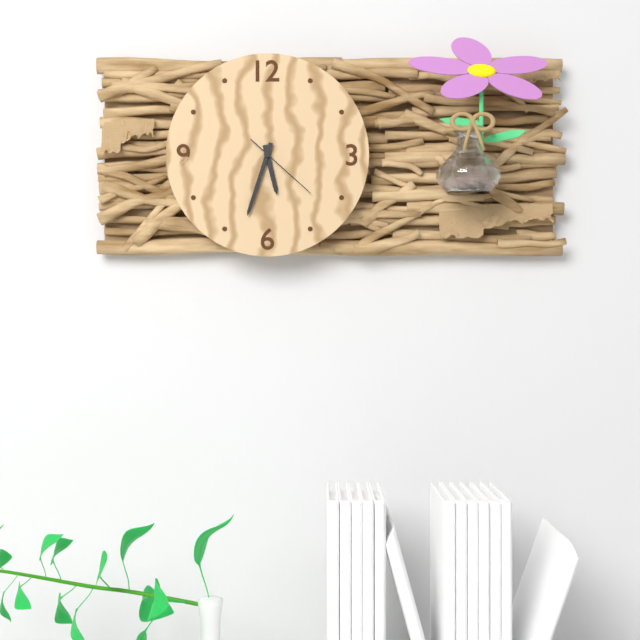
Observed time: 5.33.22
